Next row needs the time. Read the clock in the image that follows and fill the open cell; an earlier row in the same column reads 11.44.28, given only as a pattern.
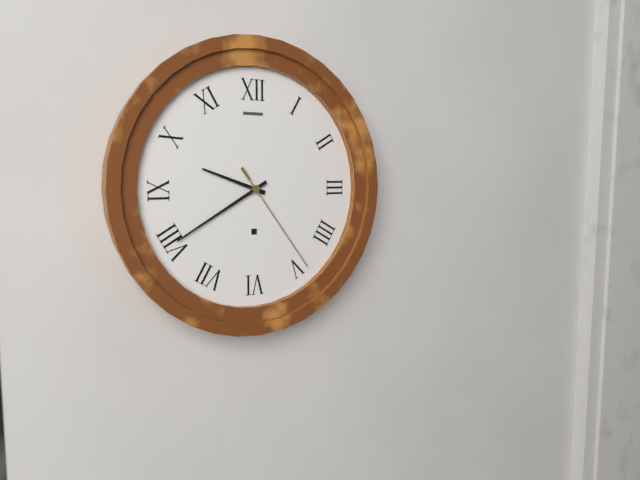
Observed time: 9.40.24
